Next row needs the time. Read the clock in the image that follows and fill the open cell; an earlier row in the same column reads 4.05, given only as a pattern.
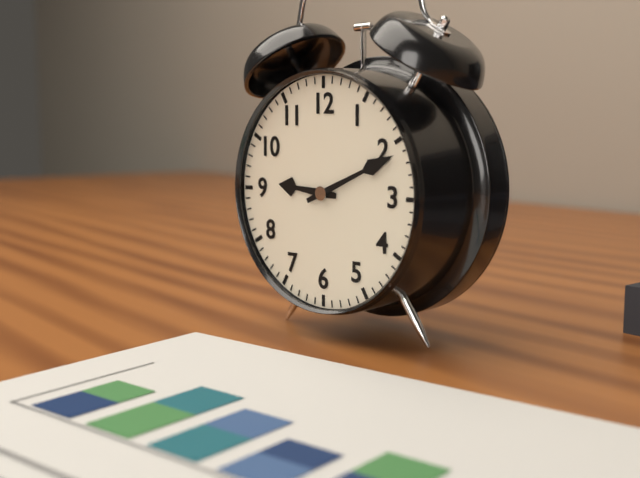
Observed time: 9.11
